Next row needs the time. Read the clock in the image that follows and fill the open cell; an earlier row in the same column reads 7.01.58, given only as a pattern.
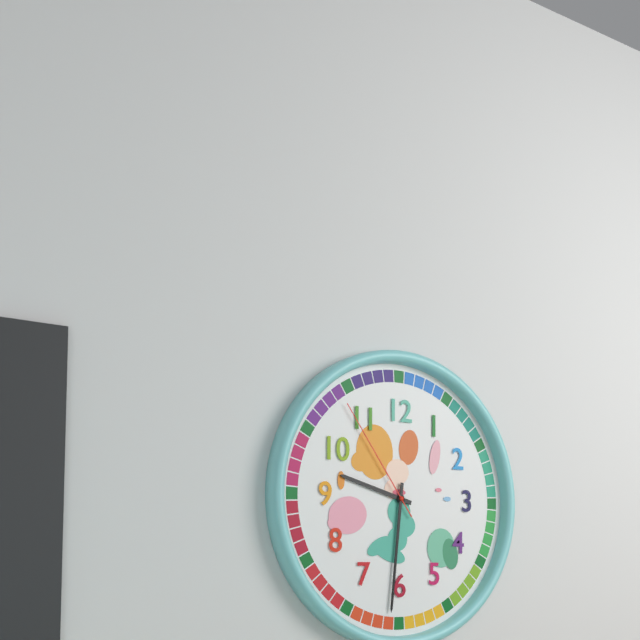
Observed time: 9.31.54
